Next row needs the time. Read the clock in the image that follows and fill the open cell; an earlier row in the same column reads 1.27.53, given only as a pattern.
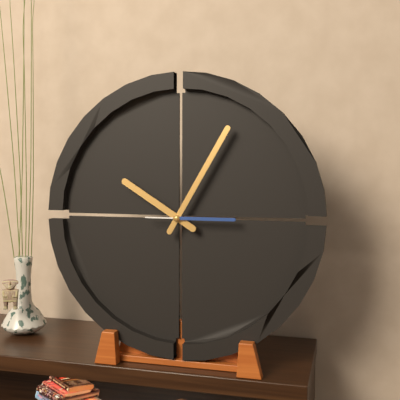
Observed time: 10.05.15
